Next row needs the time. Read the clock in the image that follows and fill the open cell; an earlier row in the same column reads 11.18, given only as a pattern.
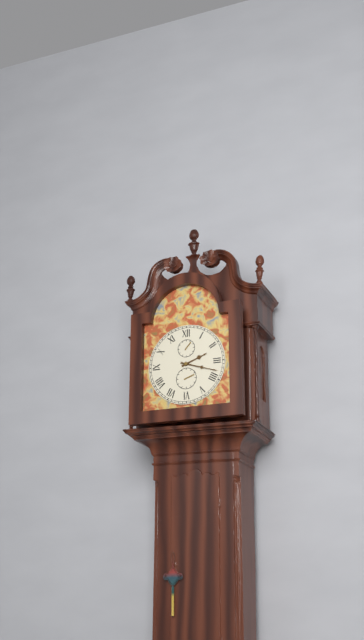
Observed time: 2.18
